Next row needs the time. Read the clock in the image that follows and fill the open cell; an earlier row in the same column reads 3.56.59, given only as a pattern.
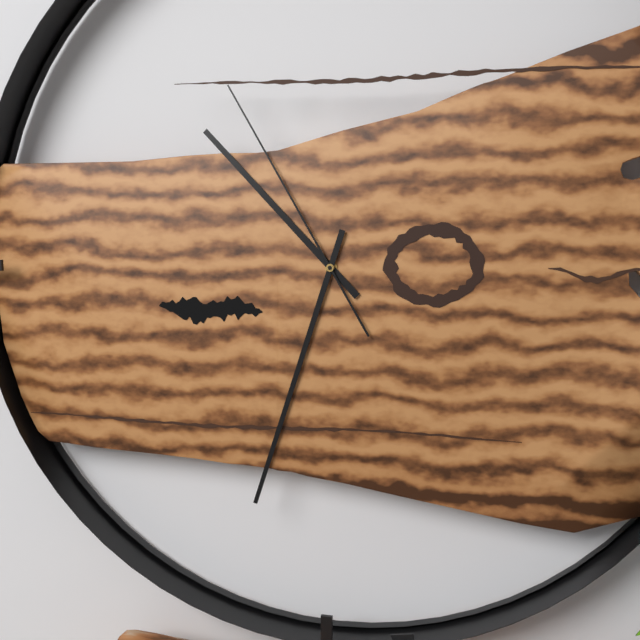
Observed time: 10.33.55
